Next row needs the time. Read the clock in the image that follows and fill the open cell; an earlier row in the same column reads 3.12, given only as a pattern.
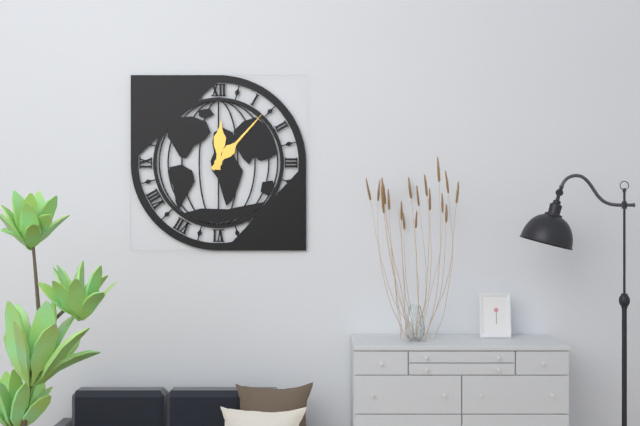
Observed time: 12.07
